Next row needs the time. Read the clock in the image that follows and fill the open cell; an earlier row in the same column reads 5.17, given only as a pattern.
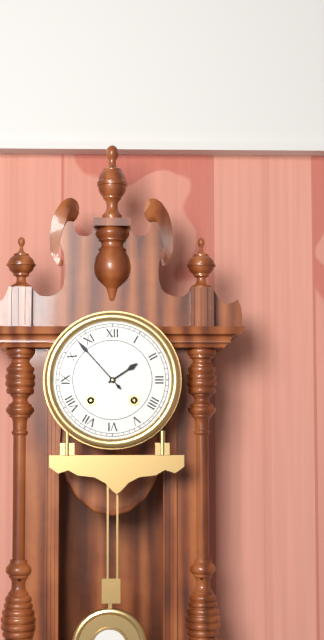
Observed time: 1.53
